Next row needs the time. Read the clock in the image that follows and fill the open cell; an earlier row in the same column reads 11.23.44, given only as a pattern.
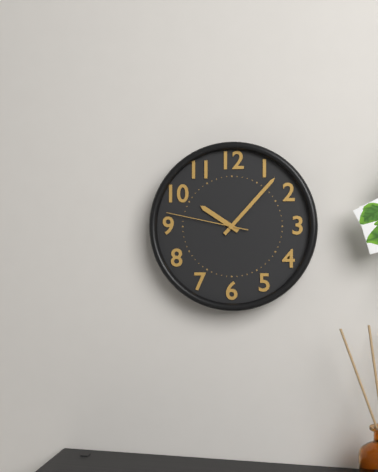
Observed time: 10.07.47
